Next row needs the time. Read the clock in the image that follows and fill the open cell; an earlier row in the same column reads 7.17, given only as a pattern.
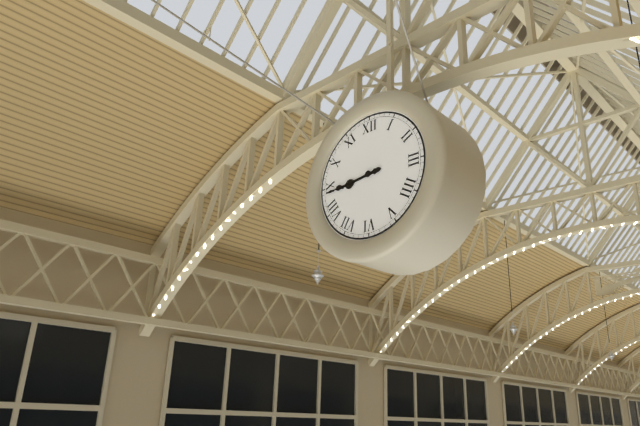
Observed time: 8.44
